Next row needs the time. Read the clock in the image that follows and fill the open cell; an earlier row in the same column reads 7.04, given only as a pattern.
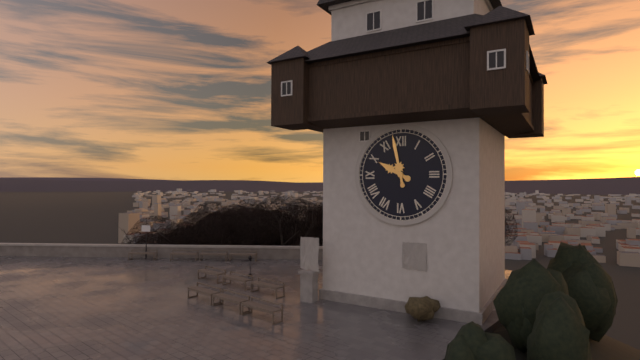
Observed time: 9.58
